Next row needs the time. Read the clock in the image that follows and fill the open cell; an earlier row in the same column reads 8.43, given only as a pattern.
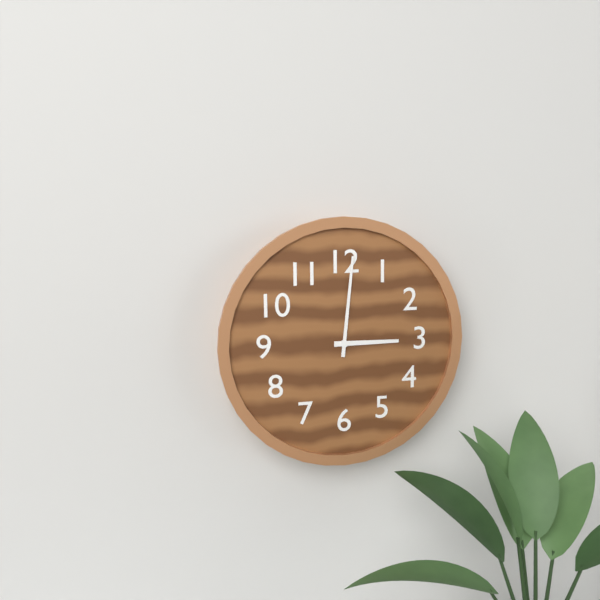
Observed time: 3.01
